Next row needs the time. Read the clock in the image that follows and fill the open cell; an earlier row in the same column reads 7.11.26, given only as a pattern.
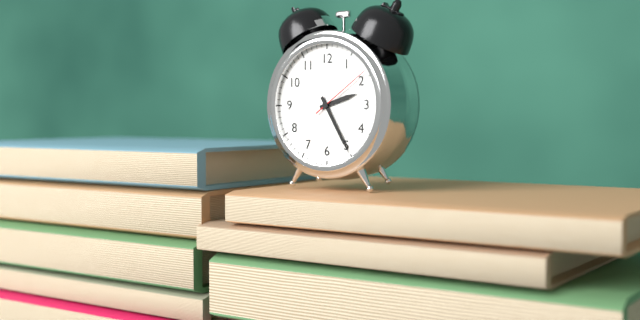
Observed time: 2.25.09
